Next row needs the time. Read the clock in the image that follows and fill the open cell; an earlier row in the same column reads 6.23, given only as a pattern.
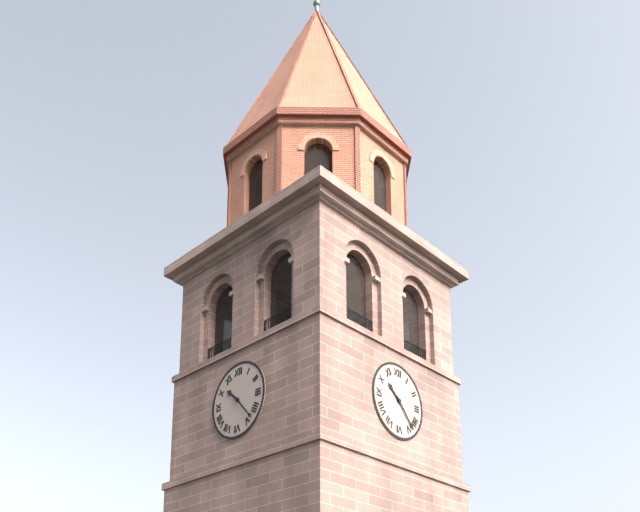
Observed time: 10.23
